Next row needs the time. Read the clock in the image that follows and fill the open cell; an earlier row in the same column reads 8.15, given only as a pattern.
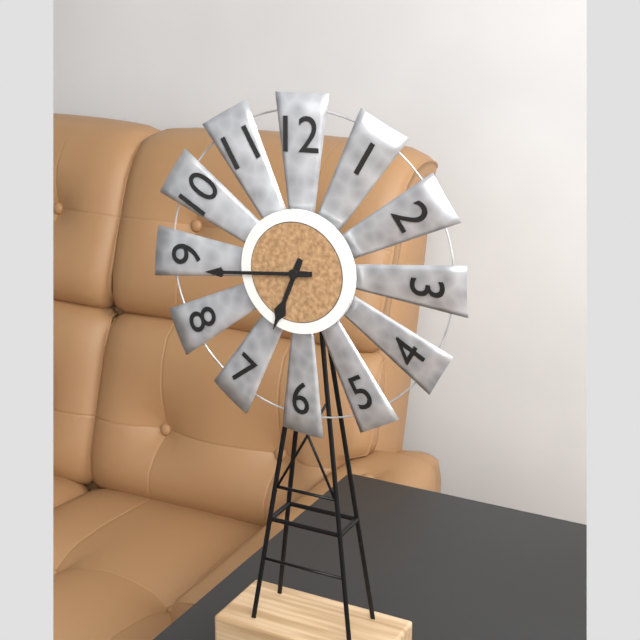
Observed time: 6.44
